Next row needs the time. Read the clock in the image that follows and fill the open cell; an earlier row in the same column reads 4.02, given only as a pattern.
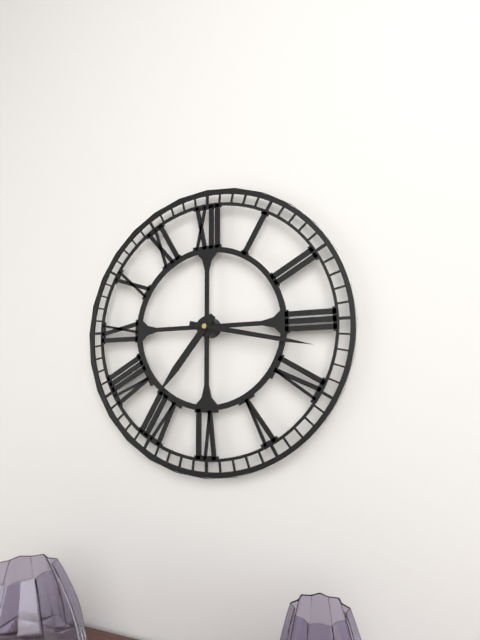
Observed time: 7.17
